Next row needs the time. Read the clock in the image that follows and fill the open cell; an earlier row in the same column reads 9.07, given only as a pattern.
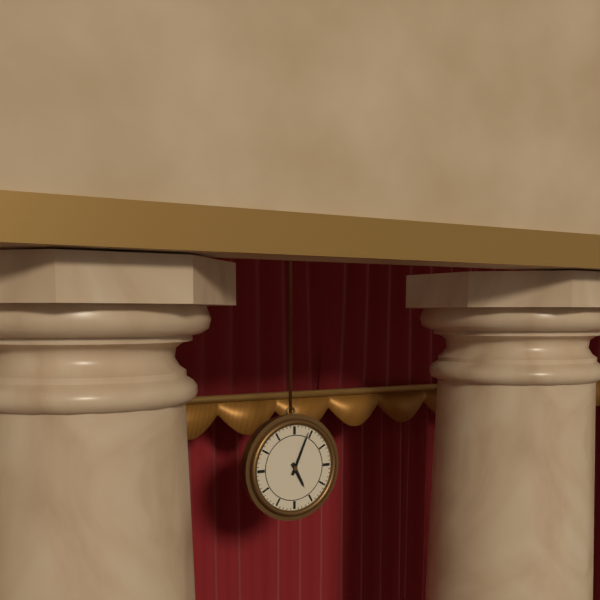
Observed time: 5.04
